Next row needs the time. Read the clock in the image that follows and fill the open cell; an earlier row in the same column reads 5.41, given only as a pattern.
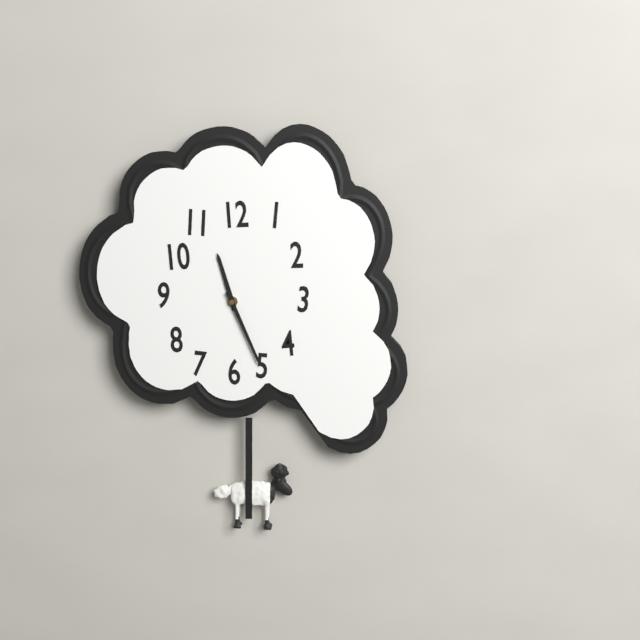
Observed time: 11.26
